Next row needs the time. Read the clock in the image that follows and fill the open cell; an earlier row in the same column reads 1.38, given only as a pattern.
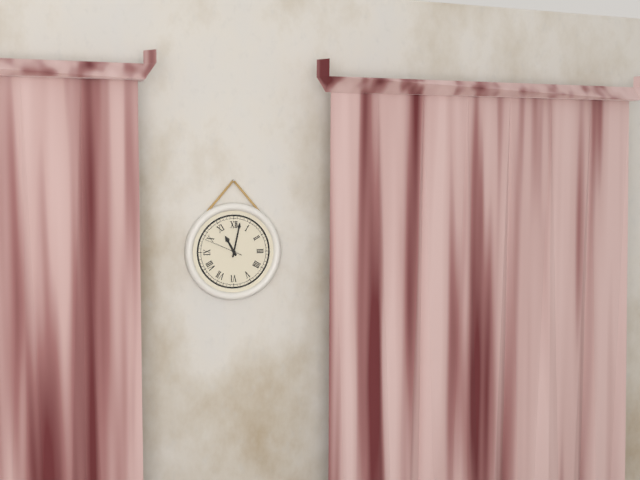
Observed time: 11.02
